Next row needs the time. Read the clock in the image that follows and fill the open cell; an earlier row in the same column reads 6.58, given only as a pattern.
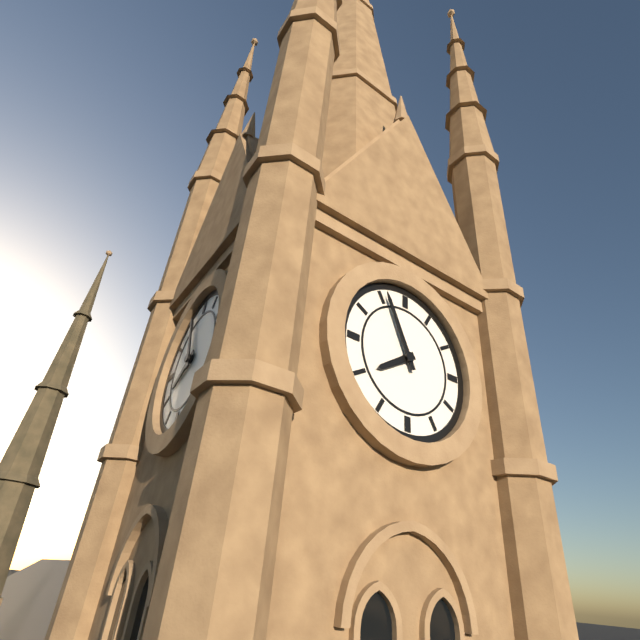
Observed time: 7.56
